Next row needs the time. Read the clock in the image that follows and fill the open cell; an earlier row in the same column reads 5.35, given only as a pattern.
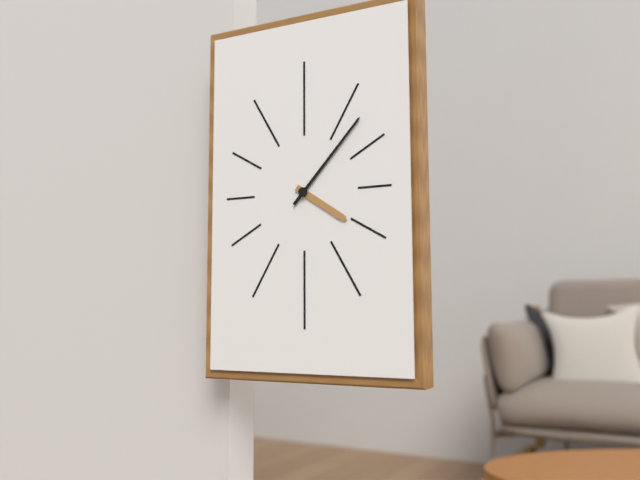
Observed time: 4.07
